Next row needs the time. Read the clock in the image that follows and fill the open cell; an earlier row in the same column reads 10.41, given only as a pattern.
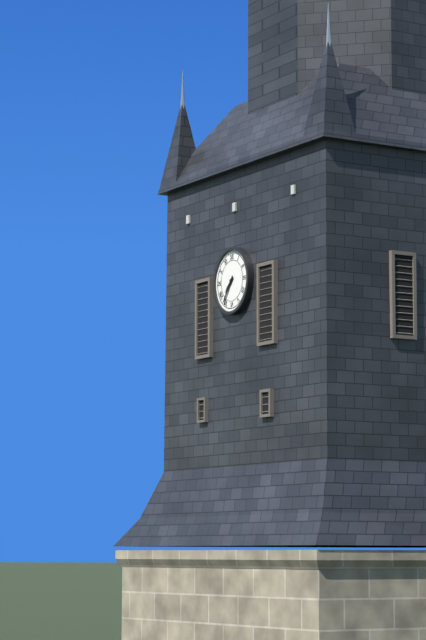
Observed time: 7.36
